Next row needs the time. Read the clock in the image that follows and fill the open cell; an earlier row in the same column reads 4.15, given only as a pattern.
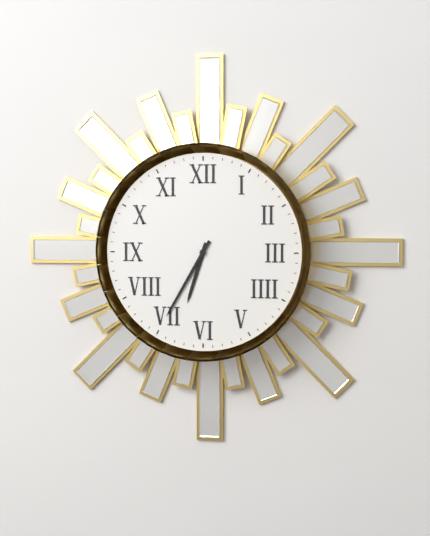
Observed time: 6.35
